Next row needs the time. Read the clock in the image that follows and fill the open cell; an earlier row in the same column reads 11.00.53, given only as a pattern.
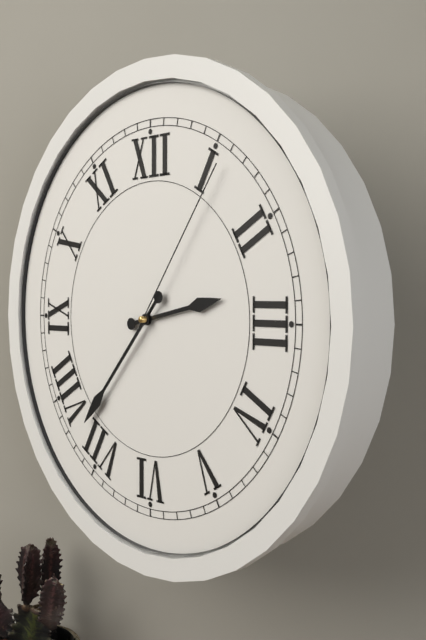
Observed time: 2.37.06
